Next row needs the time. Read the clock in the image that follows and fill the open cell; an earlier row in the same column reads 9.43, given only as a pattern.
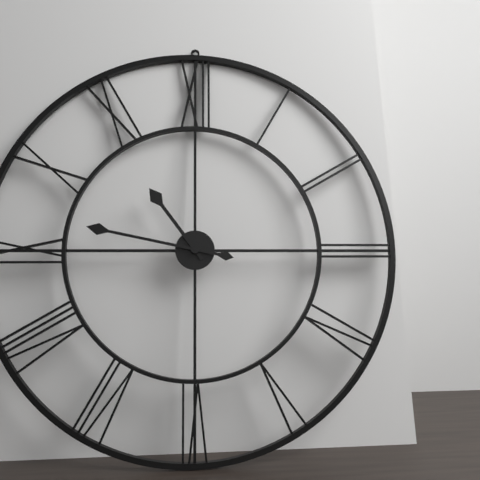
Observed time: 10.47
